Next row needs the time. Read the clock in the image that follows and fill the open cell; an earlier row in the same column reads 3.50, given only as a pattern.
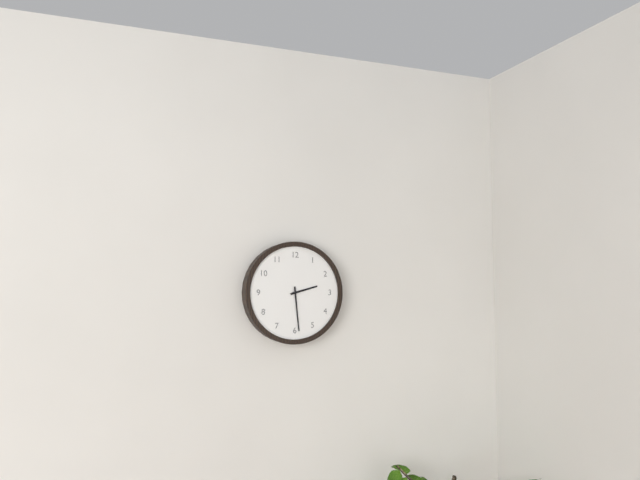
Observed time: 2.29
